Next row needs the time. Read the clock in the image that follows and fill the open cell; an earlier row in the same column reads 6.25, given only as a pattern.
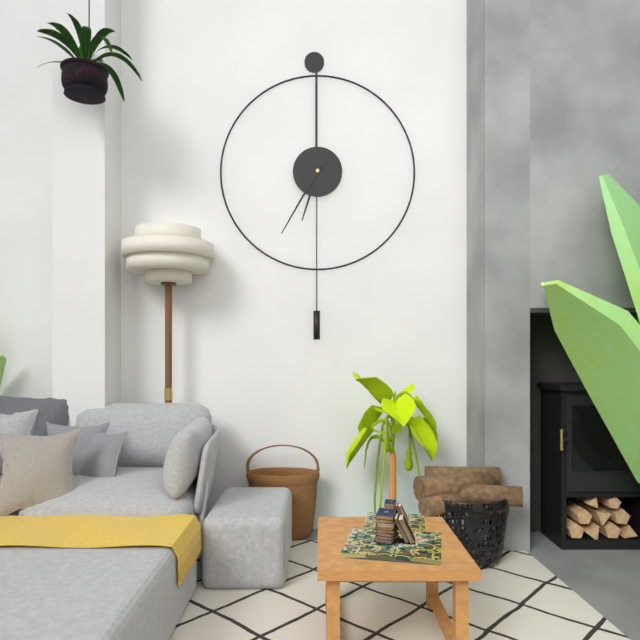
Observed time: 6.35
